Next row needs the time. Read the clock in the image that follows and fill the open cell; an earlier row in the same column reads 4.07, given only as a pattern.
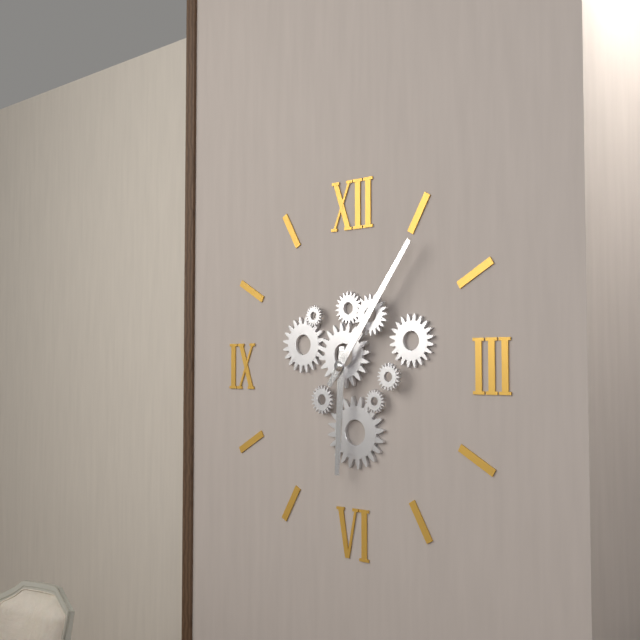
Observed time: 6.06
